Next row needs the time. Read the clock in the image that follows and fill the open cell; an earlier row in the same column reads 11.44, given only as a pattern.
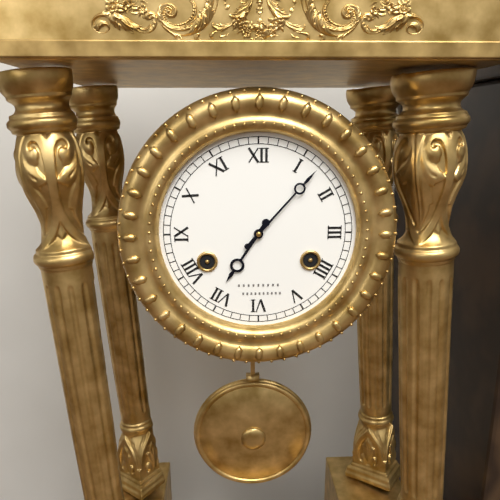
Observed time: 7.07
